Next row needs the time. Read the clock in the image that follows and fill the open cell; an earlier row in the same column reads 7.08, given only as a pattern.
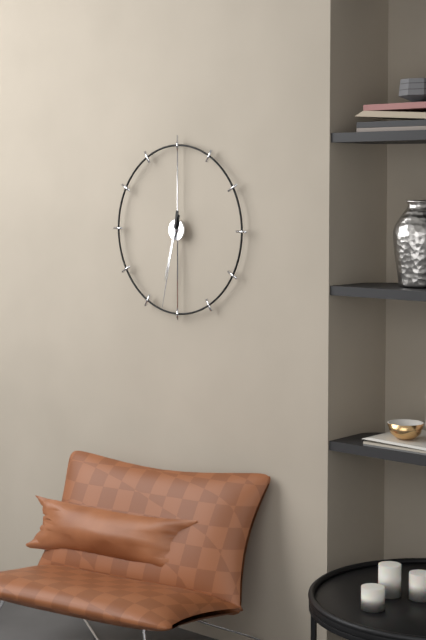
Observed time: 6.32
